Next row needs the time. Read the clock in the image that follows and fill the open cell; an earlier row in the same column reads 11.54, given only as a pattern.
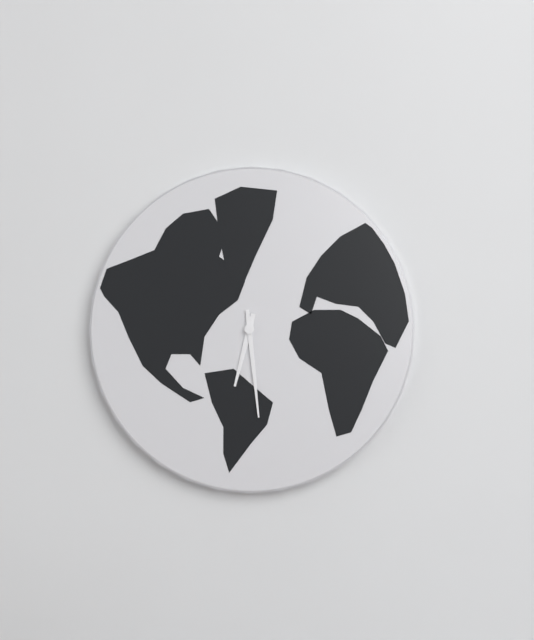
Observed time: 6.29
